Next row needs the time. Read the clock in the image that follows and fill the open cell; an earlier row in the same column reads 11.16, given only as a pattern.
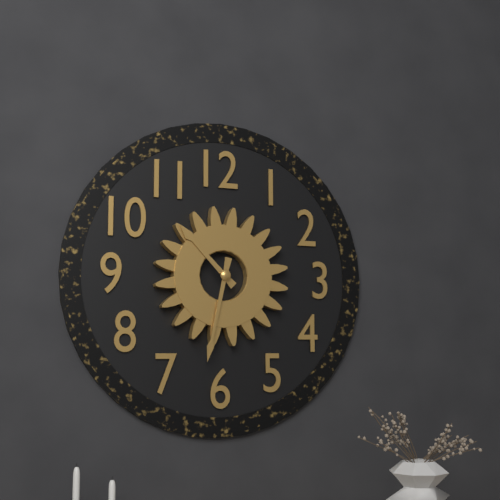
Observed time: 10.32
